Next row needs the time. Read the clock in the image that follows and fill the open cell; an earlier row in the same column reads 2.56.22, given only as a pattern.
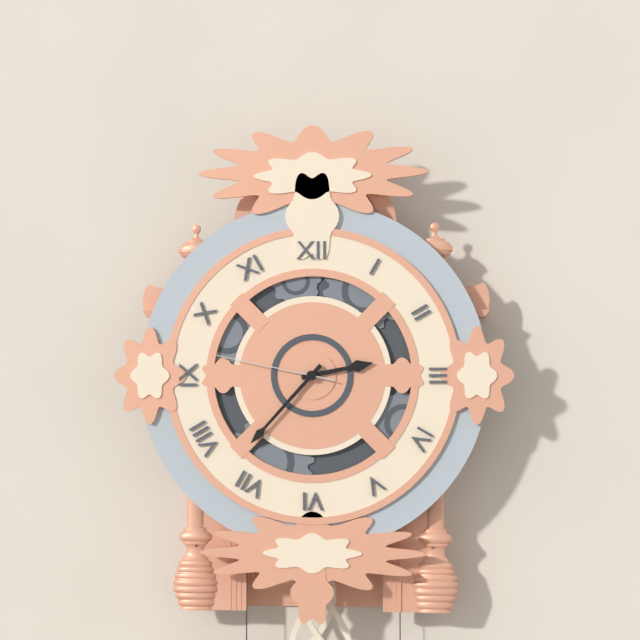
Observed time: 2.37.47
